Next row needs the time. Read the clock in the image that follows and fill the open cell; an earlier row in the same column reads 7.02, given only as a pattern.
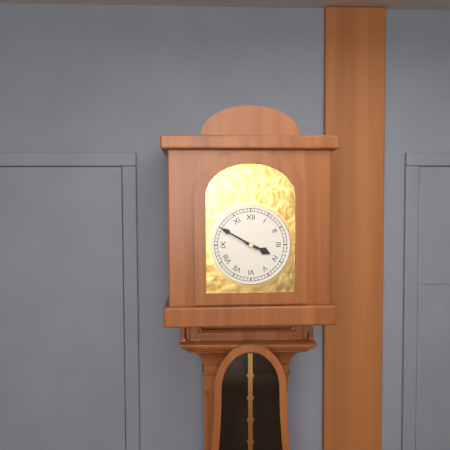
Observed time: 3.50
